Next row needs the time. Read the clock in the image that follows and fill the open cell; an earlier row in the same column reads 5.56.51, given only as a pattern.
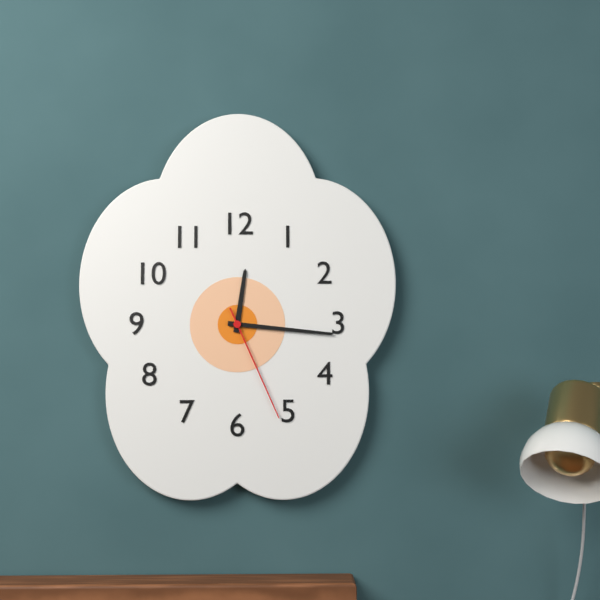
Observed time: 12.16.26
